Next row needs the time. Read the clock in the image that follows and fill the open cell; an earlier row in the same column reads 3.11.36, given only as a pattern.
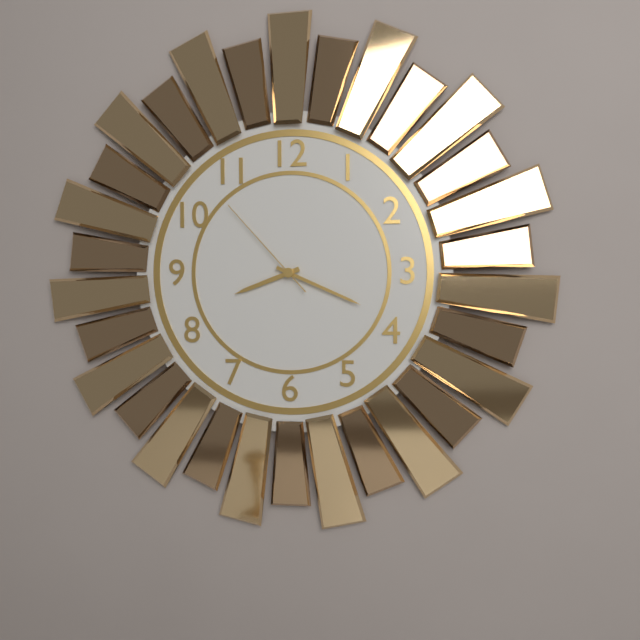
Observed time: 8.19.53
